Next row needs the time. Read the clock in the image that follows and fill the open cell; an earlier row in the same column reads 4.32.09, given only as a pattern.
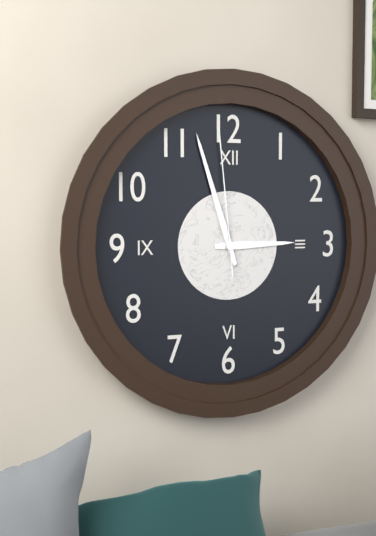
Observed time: 2.57.59
